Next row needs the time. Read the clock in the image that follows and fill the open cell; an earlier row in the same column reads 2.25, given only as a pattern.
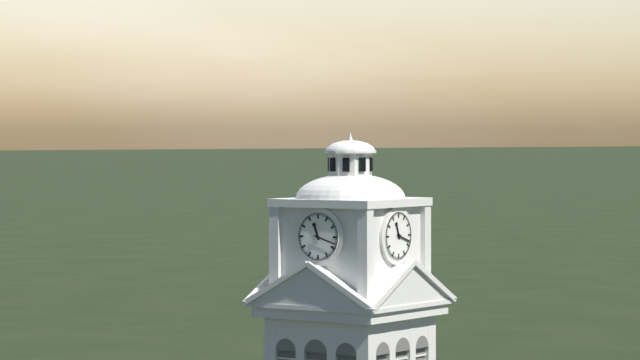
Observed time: 11.18
